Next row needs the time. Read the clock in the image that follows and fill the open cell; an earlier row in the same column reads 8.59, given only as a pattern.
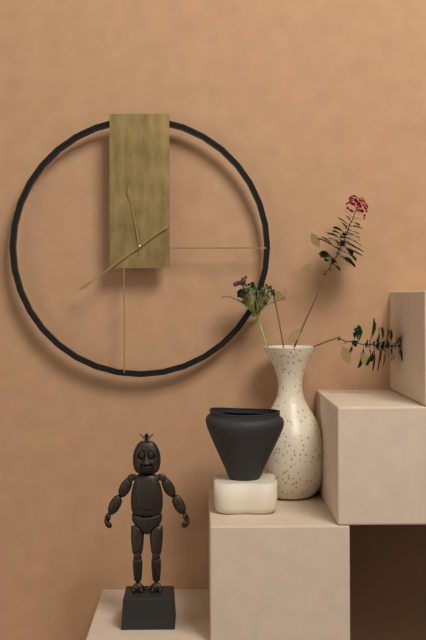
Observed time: 11.39
